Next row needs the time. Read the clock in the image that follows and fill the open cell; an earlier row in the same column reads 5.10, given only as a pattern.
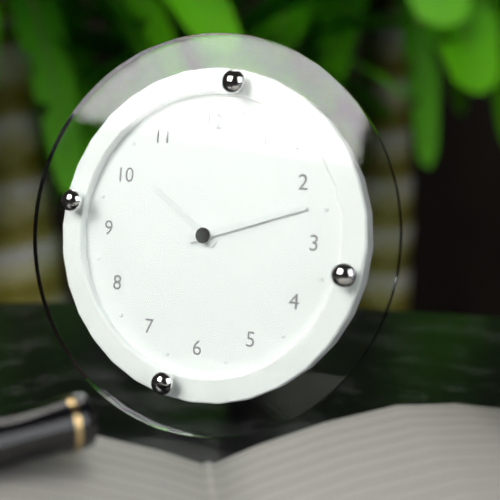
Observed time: 10.12
